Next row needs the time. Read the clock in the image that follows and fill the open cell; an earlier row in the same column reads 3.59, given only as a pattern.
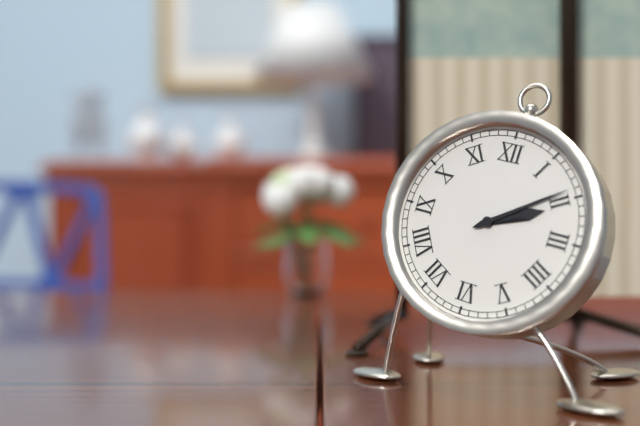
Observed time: 2.09
